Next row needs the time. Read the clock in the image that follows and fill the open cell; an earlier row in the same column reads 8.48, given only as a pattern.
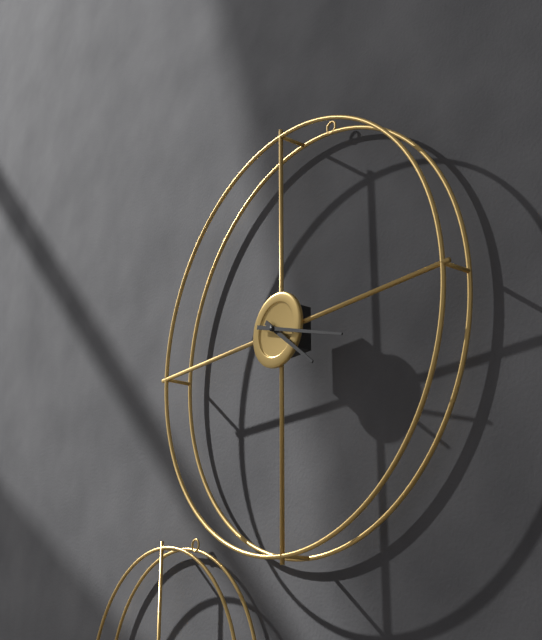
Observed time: 4.18
